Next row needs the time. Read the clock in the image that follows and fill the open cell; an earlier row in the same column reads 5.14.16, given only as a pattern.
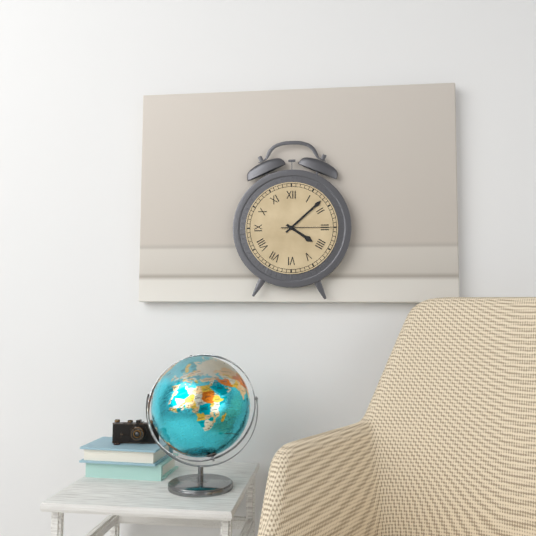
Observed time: 4.08.15
